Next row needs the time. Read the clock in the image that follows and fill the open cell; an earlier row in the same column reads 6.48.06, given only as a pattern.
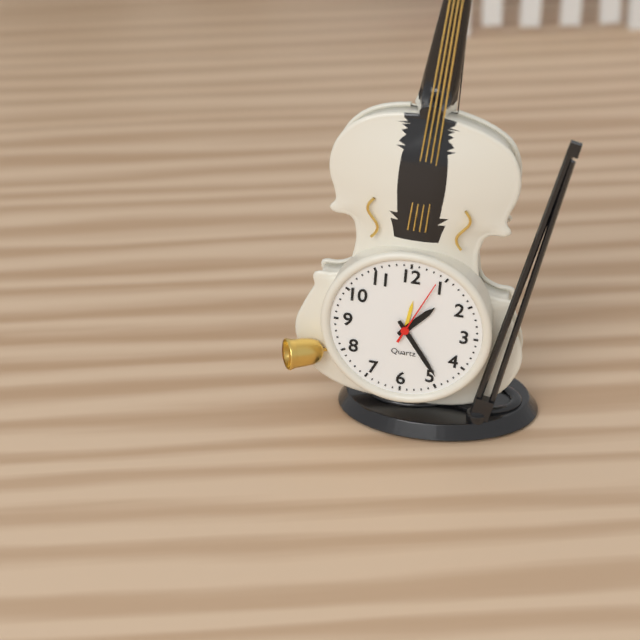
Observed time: 1.24.04
